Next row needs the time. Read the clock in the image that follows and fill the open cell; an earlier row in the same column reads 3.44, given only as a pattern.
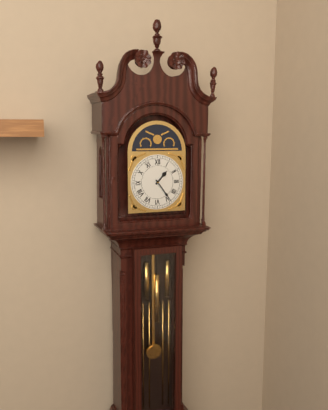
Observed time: 1.24
